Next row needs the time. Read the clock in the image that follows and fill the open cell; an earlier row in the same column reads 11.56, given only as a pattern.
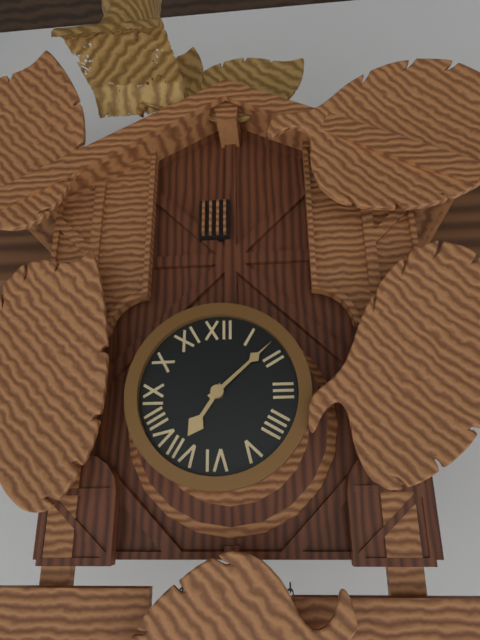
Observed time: 7.08
